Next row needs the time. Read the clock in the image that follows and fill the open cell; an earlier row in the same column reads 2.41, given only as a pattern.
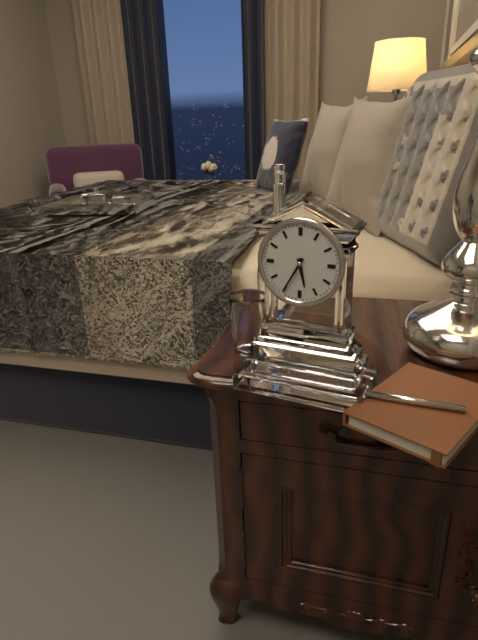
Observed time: 5.35
